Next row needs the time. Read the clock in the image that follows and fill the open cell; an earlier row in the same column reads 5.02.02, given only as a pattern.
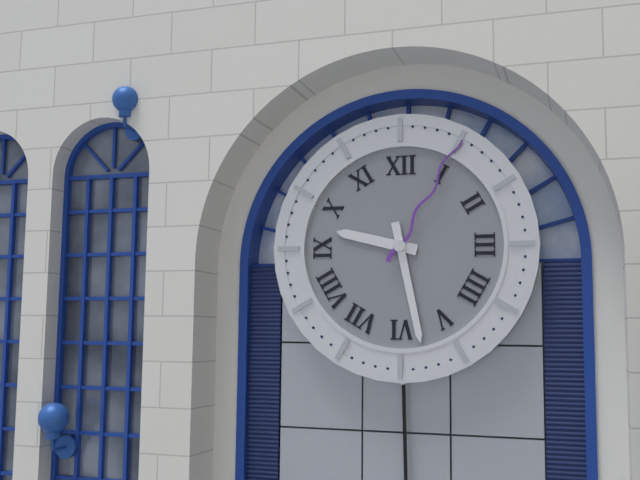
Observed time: 9.28.05
